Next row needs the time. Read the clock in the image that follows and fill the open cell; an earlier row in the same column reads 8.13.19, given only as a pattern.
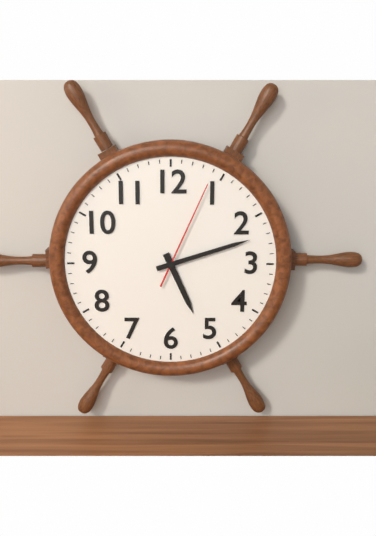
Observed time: 5.12.04
